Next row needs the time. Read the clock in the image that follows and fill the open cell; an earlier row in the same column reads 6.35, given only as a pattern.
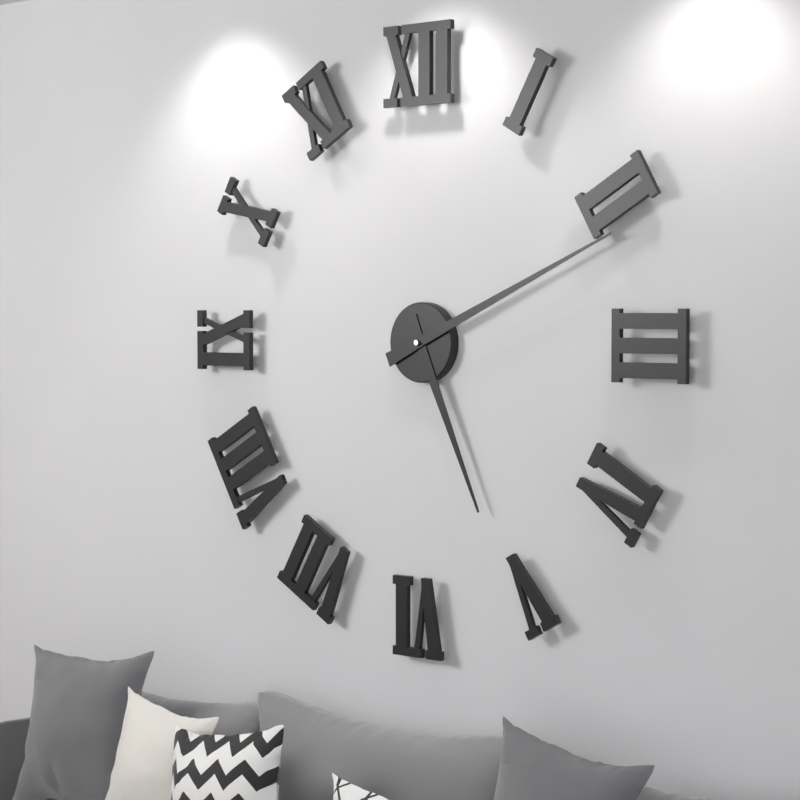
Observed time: 5.11
